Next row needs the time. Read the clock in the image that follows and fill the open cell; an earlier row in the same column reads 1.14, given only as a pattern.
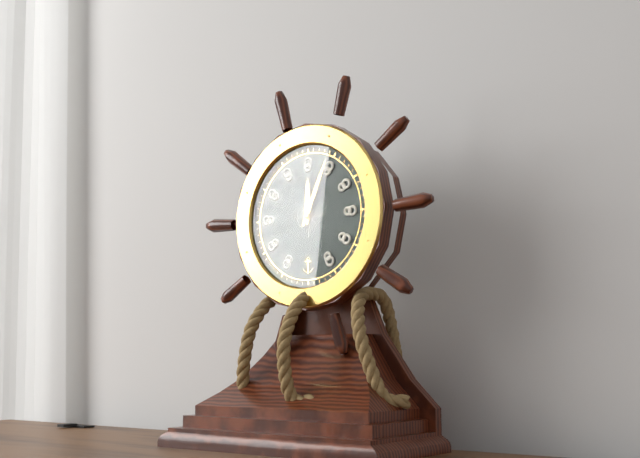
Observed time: 12.04
